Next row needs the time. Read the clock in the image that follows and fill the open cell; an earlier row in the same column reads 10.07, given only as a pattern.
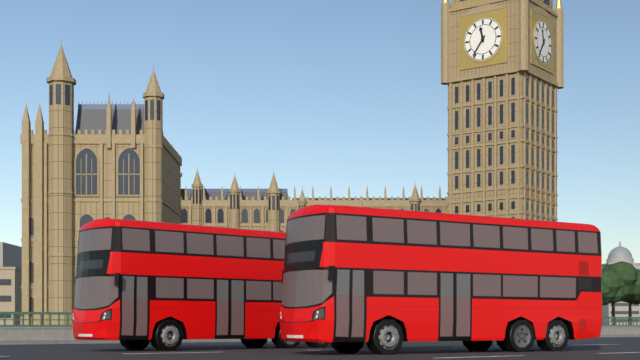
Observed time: 11.36
